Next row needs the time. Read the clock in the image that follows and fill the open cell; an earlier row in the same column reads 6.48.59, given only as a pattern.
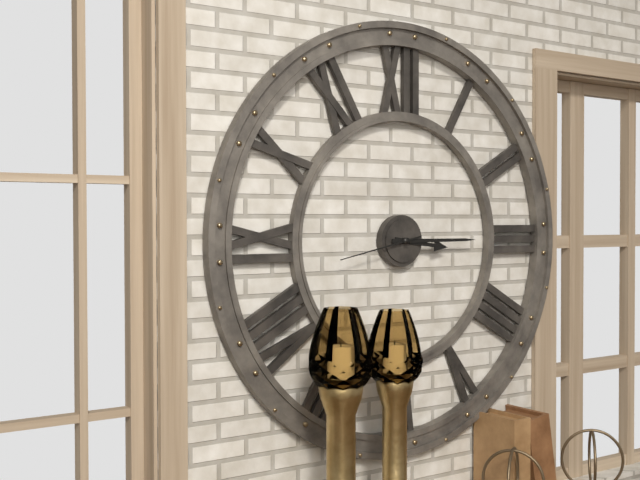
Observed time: 3.15.43
